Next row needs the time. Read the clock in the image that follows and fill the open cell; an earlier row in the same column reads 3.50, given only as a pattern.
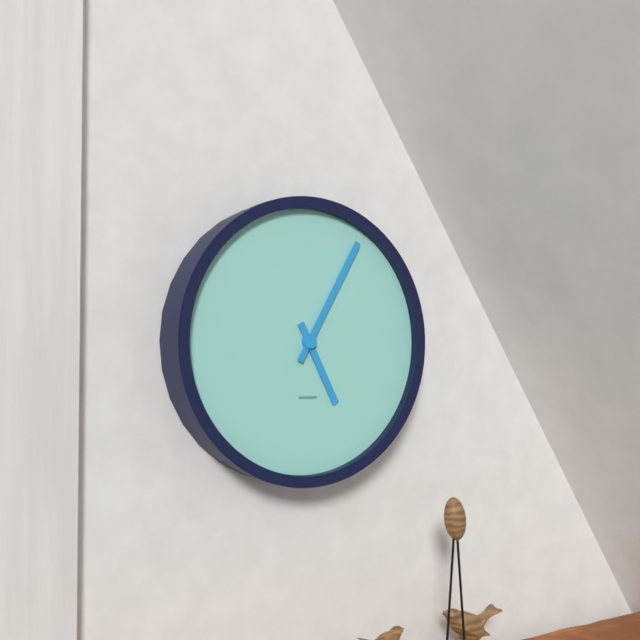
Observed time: 5.05
